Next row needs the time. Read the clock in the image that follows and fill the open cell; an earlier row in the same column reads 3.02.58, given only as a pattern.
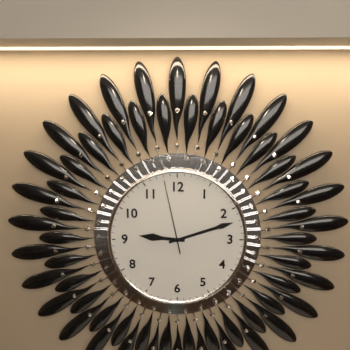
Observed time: 9.12.58
